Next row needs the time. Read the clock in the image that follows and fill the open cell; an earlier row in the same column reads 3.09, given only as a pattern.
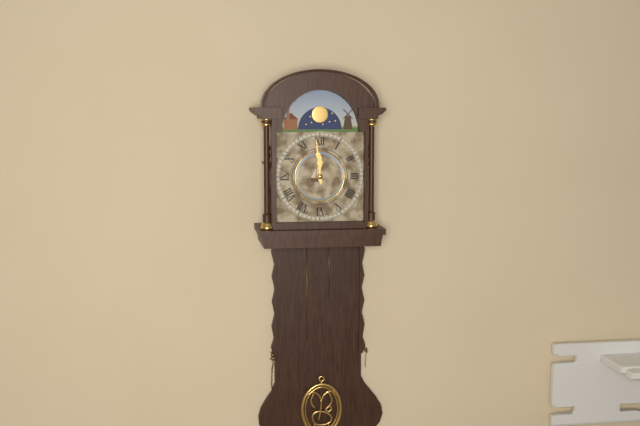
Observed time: 11.59
